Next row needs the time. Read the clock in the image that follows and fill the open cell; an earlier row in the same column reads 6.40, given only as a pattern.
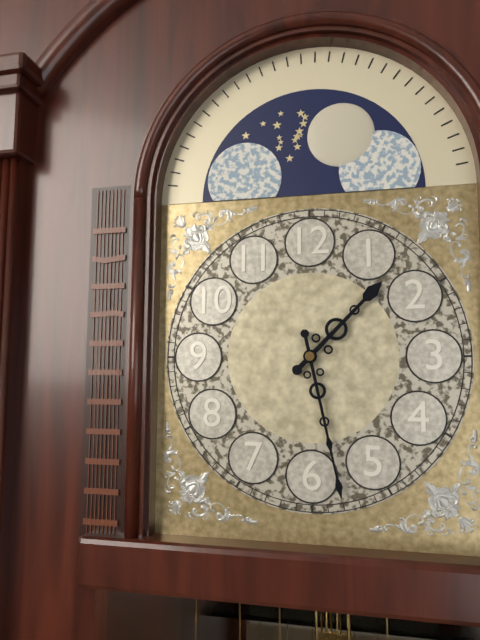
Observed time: 1.28
